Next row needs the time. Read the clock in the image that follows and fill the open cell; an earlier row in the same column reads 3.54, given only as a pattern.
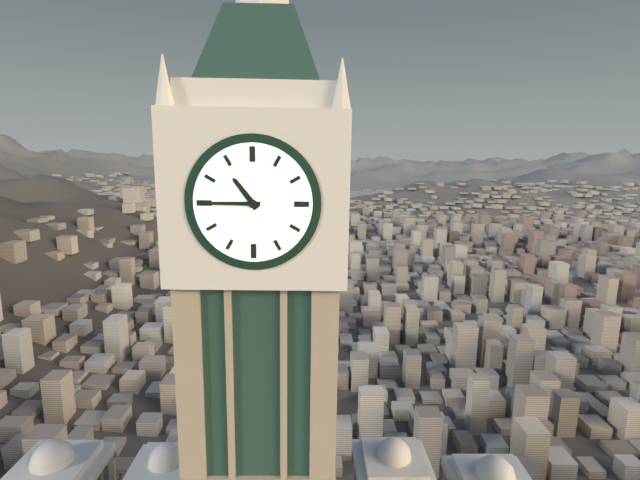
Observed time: 10.45
